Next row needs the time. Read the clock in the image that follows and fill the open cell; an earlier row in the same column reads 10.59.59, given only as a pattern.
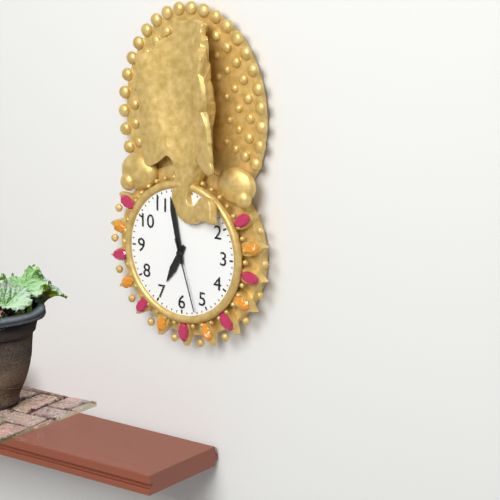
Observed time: 6.58.27
